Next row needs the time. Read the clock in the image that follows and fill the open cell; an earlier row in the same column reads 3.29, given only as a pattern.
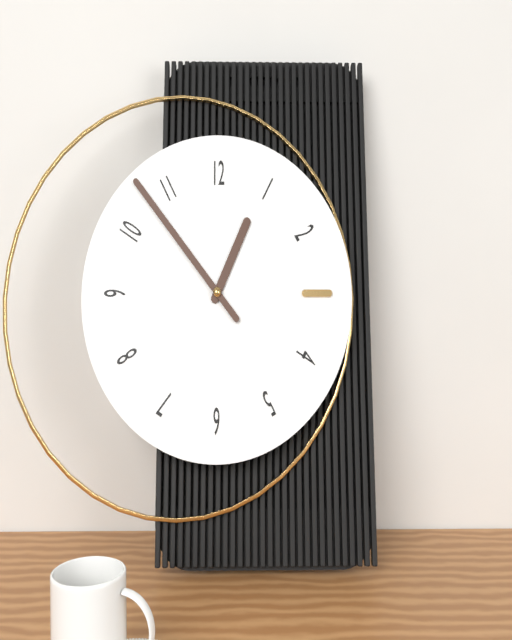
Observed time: 12.53
